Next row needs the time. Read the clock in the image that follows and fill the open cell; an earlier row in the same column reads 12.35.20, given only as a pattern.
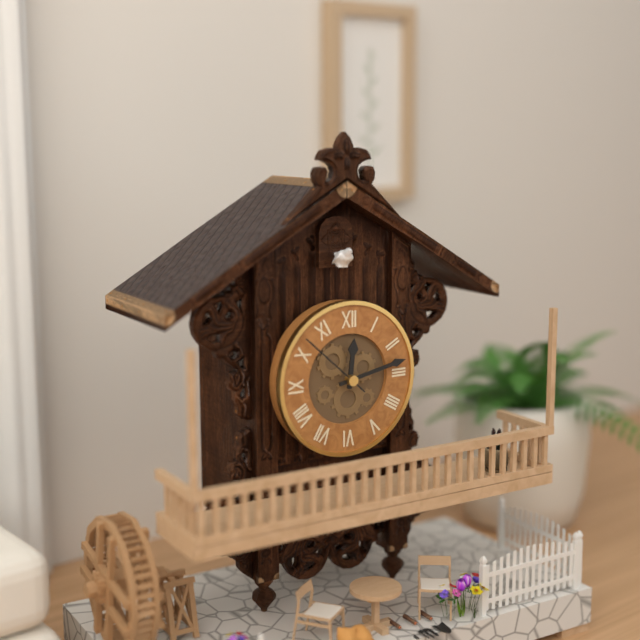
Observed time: 12.13.52
